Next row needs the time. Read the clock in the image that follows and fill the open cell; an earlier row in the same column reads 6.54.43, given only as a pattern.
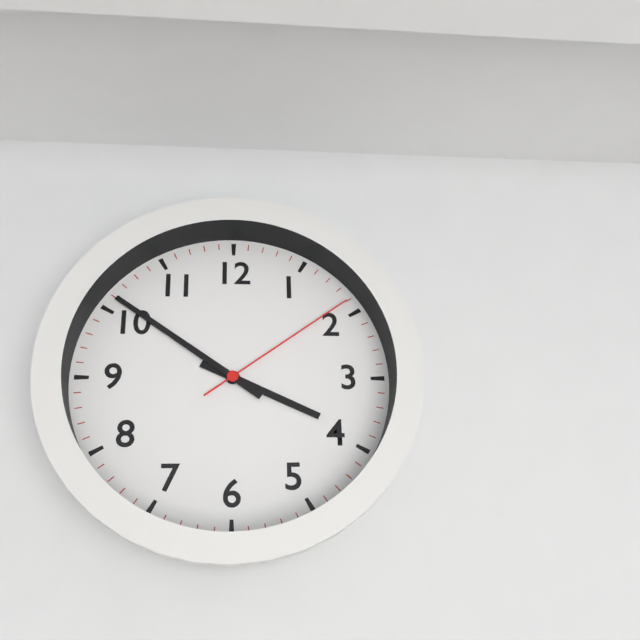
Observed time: 3.51.09
